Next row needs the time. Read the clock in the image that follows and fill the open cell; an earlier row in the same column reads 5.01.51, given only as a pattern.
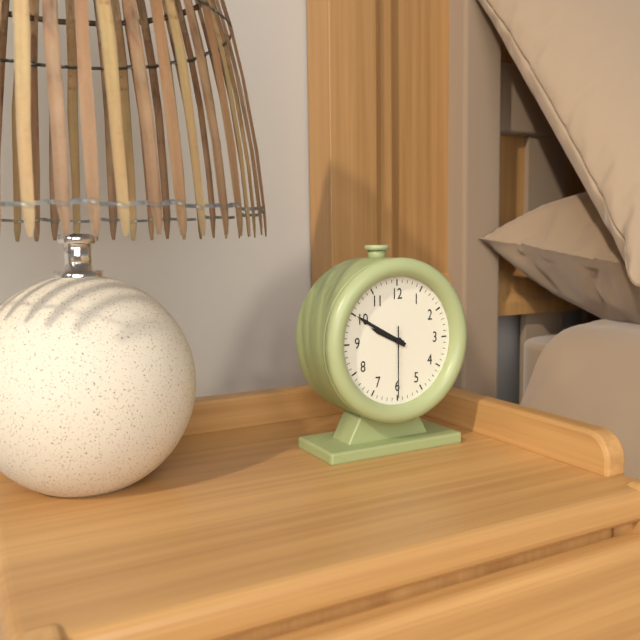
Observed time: 9.50.30
